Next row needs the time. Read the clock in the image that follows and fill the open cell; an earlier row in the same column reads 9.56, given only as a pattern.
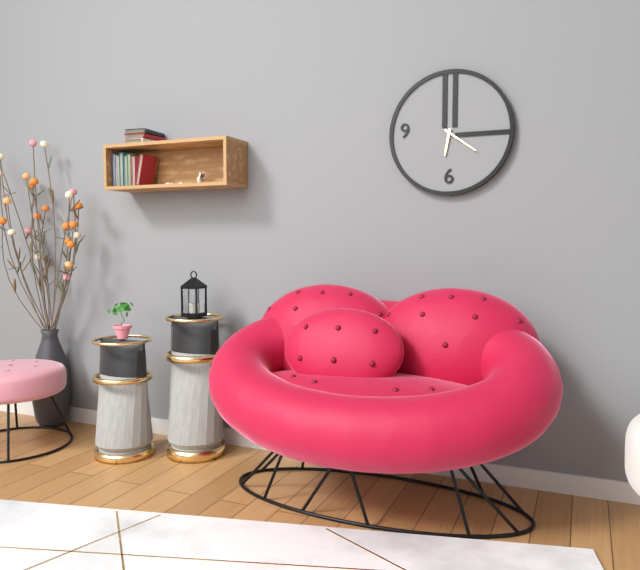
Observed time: 6.21
